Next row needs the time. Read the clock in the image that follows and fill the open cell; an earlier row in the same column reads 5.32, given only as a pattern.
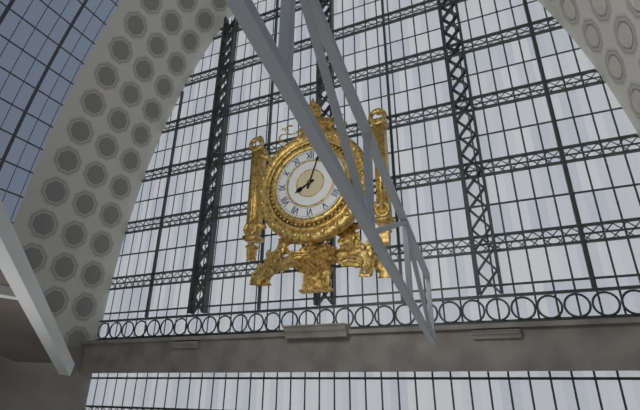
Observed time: 8.03
